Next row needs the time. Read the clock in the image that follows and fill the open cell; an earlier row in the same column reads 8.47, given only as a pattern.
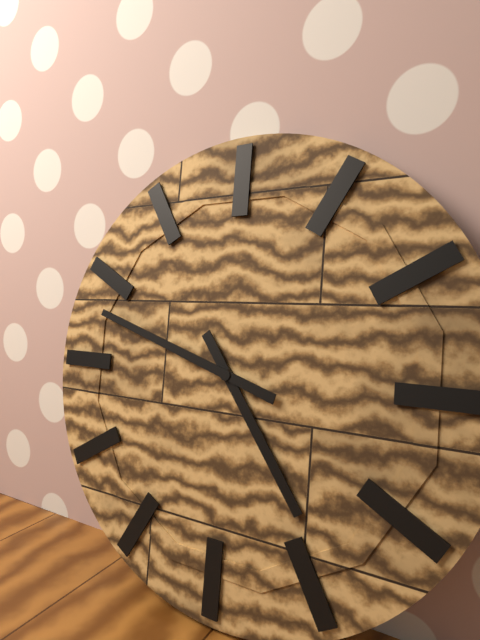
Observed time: 4.48
